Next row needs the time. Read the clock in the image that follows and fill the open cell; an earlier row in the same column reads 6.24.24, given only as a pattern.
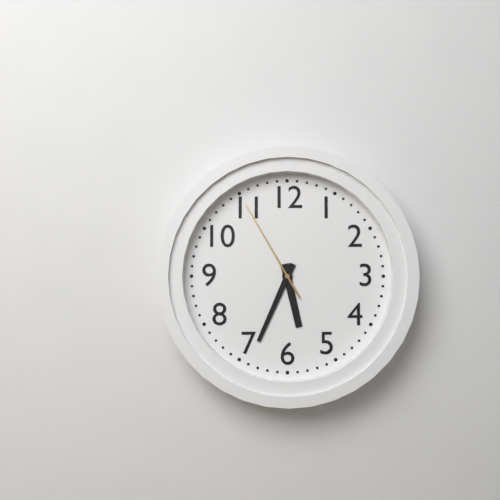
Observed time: 5.34.55
